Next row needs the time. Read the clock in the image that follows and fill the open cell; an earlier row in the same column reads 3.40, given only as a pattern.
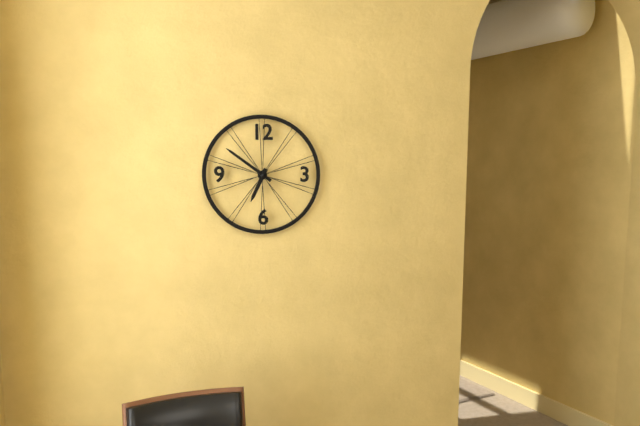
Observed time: 6.51
